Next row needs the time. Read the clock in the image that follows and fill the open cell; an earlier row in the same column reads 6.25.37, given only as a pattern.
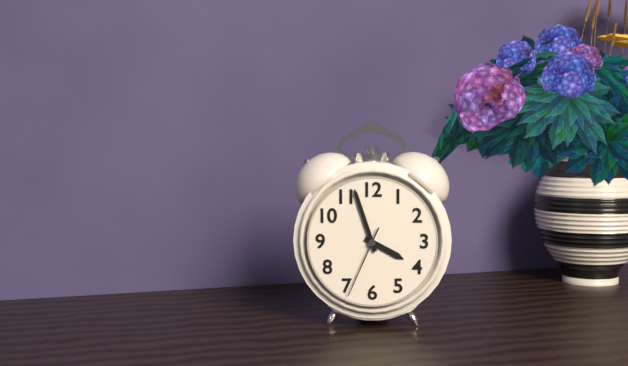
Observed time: 3.57.34
